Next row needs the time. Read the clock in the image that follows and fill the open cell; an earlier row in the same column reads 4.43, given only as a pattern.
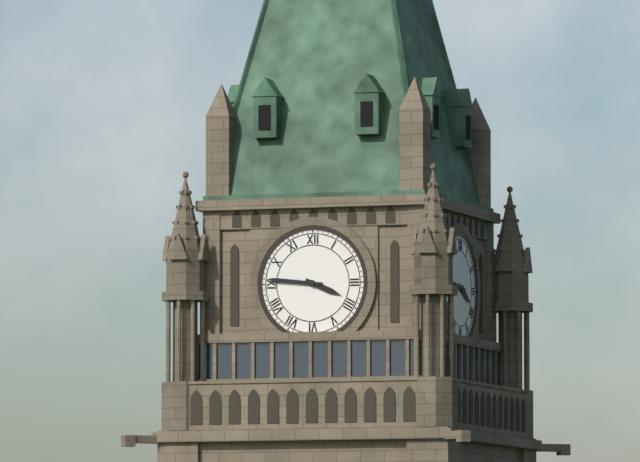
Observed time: 3.46
